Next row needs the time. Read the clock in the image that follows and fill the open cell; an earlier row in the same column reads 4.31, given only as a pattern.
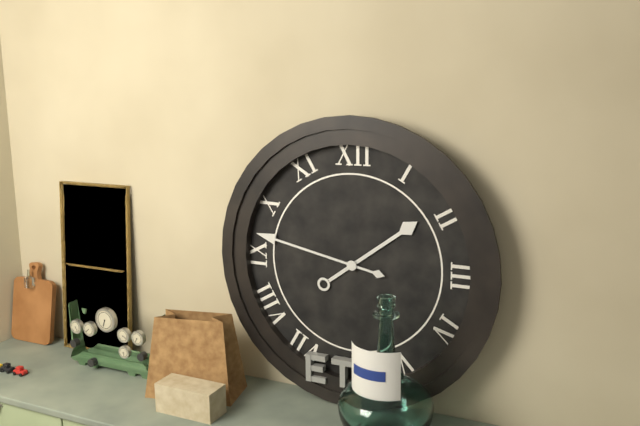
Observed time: 1.47
